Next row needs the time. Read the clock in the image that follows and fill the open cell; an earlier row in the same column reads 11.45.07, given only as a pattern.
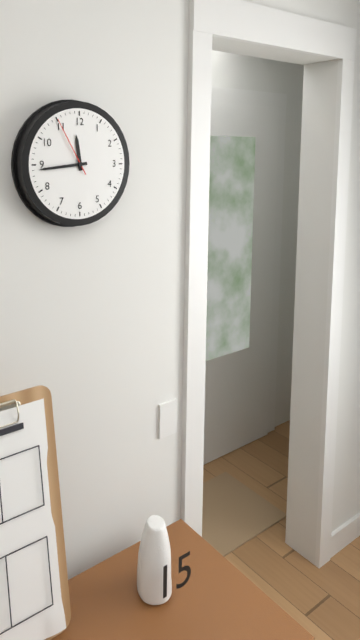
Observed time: 11.44.55
